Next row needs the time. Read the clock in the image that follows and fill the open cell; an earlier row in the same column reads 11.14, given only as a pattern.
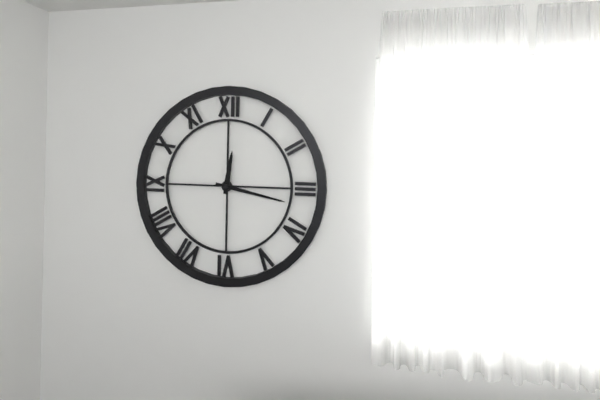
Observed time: 12.17
